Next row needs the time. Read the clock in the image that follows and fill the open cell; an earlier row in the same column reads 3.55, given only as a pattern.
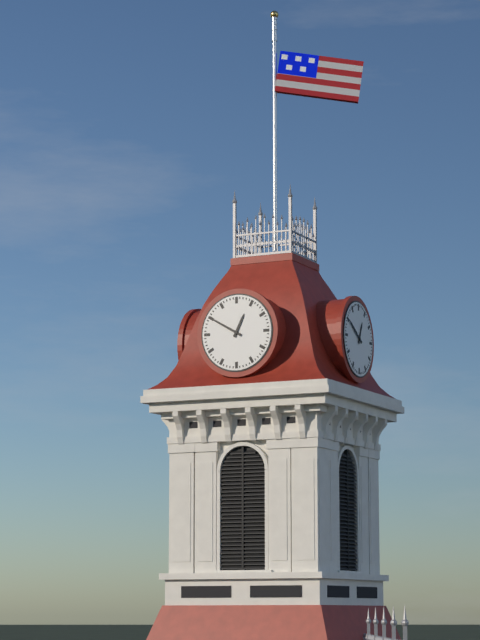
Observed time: 12.50
